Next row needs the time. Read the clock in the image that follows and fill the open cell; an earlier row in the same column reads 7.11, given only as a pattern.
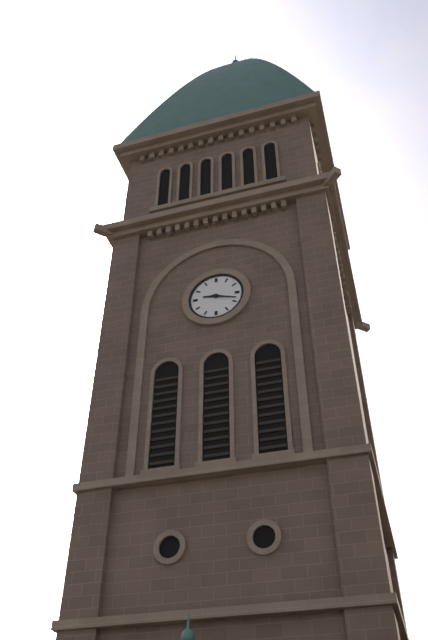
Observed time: 9.18
